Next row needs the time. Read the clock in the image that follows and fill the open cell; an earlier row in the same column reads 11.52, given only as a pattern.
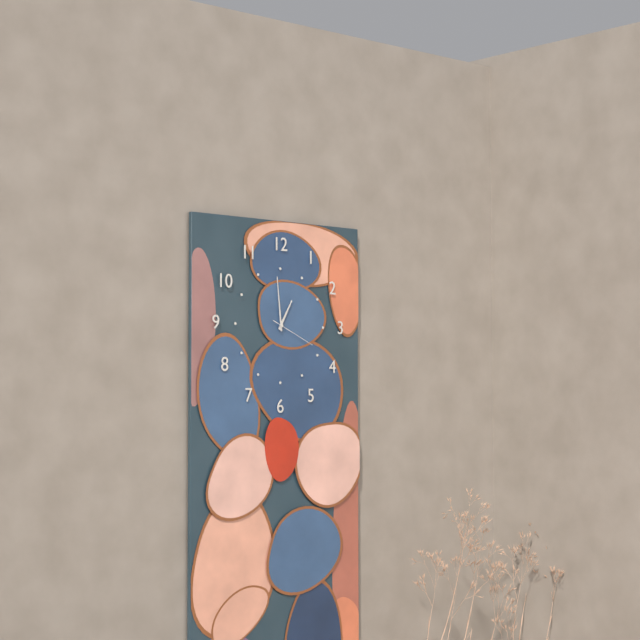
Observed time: 12.59
